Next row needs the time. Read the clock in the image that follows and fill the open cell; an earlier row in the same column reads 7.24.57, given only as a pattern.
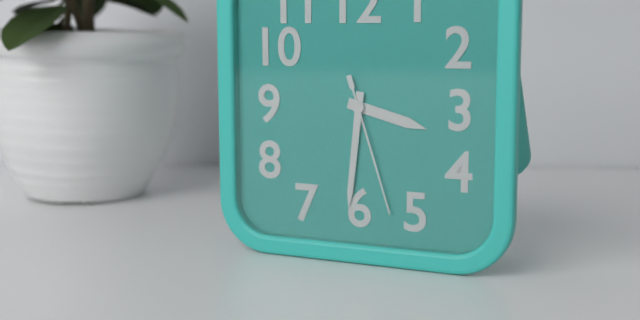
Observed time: 3.31.27
